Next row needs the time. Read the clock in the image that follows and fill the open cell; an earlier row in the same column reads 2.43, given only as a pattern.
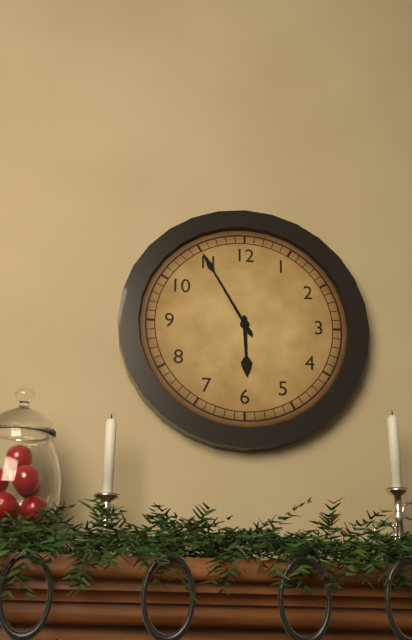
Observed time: 5.55
